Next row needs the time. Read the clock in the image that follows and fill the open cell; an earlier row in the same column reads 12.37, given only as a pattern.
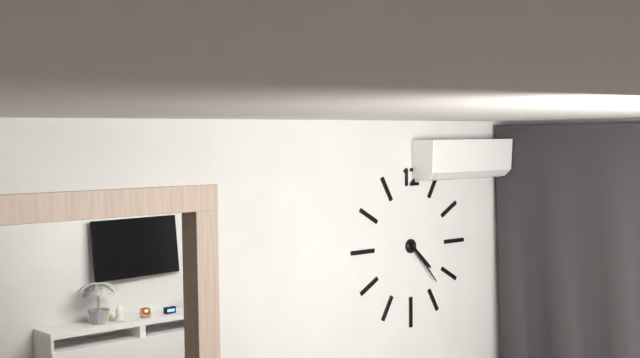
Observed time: 4.23
